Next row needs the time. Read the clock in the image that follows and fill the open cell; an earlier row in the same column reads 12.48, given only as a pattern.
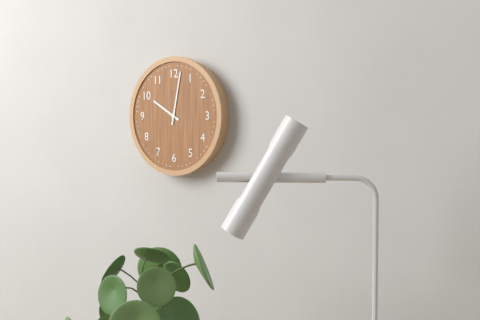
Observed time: 10.02
